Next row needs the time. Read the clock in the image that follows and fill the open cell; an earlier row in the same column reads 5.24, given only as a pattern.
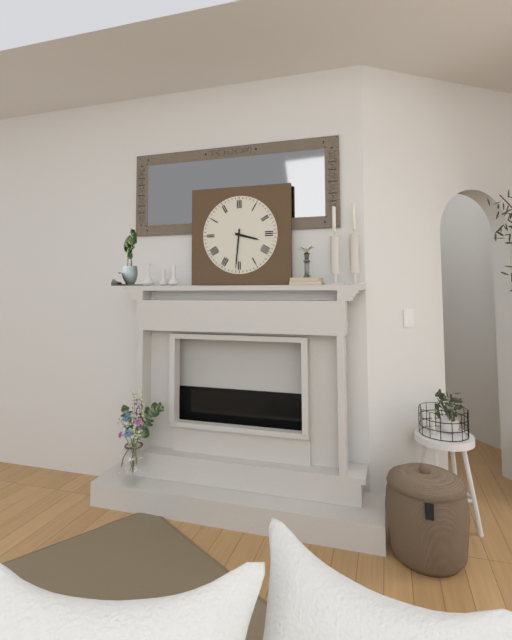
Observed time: 3.31
